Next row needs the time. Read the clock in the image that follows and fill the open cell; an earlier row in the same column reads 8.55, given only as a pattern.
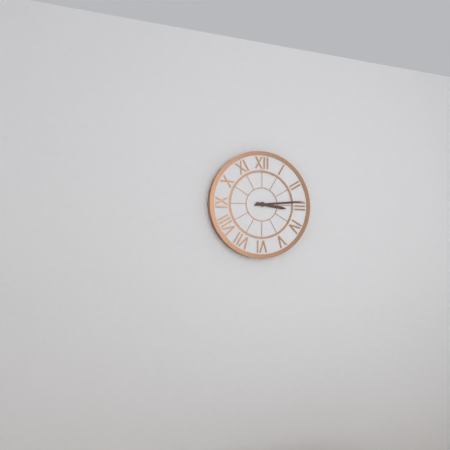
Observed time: 3.14
